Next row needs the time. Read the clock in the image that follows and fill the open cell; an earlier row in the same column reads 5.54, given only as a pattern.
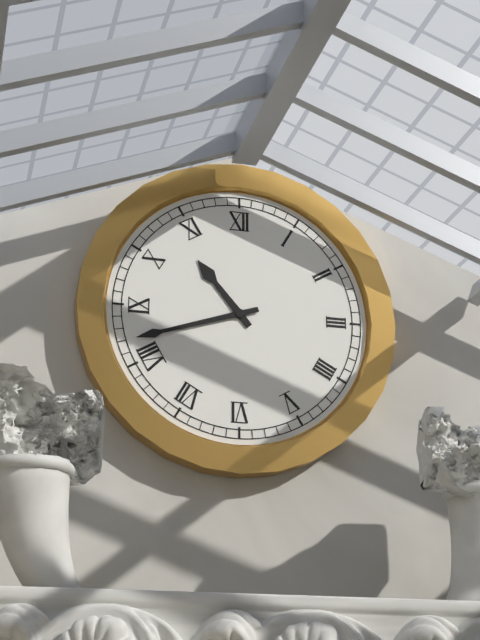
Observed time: 10.42
